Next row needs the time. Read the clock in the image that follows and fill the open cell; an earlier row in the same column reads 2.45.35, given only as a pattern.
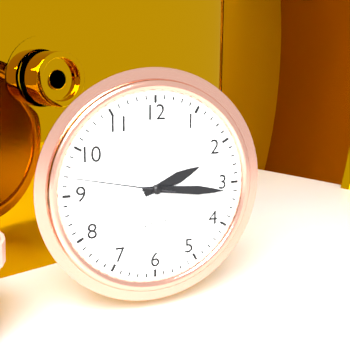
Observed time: 2.16.47
